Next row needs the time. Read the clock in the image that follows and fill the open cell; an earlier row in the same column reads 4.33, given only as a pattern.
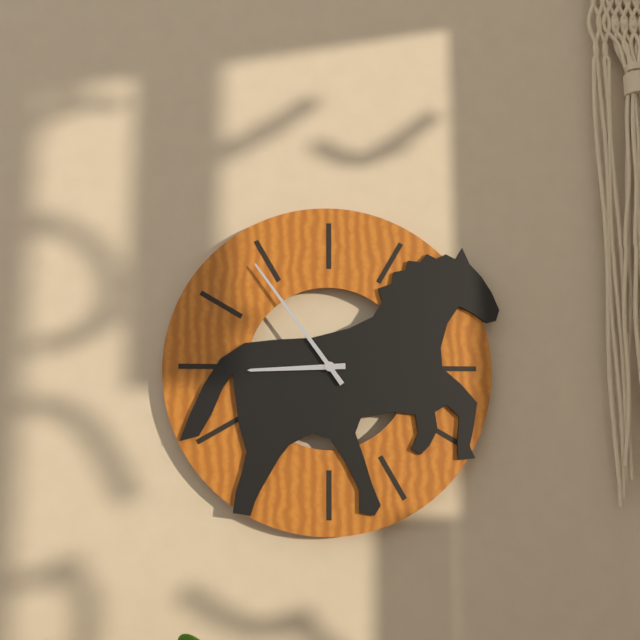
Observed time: 8.54
